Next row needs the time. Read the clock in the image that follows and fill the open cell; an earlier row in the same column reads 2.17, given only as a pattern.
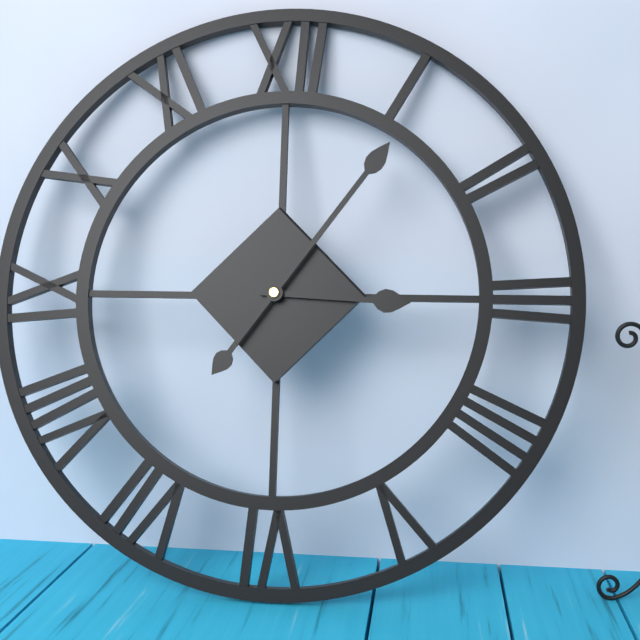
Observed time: 3.06
